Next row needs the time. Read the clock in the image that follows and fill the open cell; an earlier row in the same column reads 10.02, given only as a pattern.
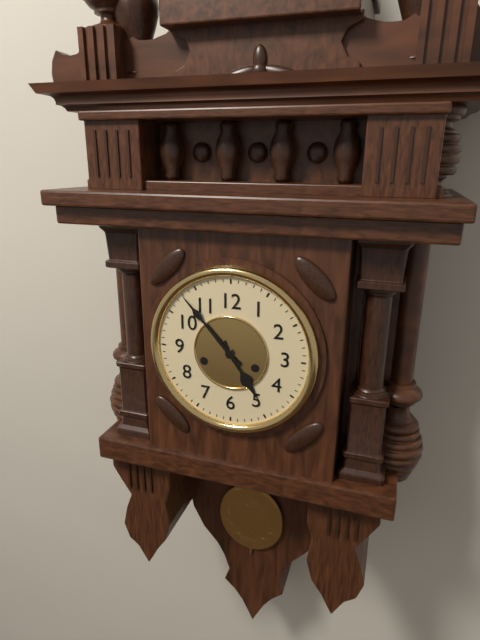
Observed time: 4.53
